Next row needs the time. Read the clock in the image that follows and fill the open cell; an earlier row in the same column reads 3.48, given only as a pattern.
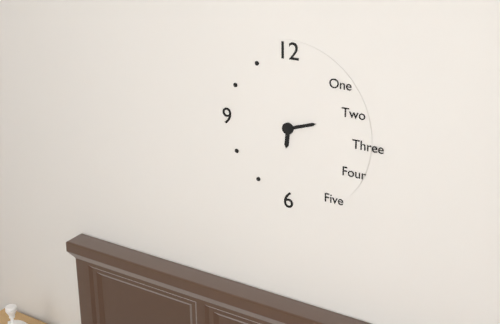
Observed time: 6.12
